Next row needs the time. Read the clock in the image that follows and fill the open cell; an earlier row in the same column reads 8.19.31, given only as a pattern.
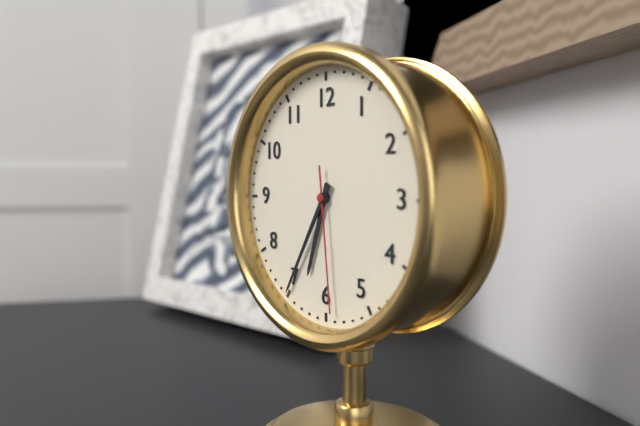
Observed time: 6.35.29
